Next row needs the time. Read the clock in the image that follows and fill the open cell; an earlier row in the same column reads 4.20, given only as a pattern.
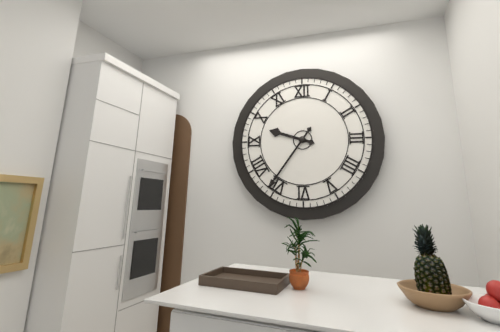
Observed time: 9.36
